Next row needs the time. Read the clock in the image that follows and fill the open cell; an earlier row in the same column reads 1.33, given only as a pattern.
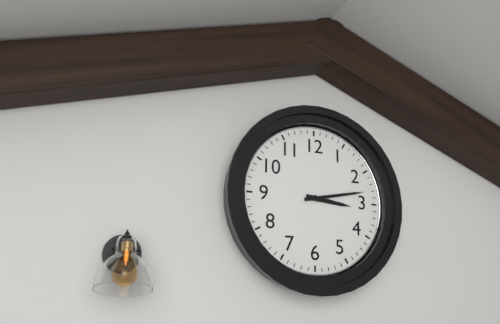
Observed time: 3.13
